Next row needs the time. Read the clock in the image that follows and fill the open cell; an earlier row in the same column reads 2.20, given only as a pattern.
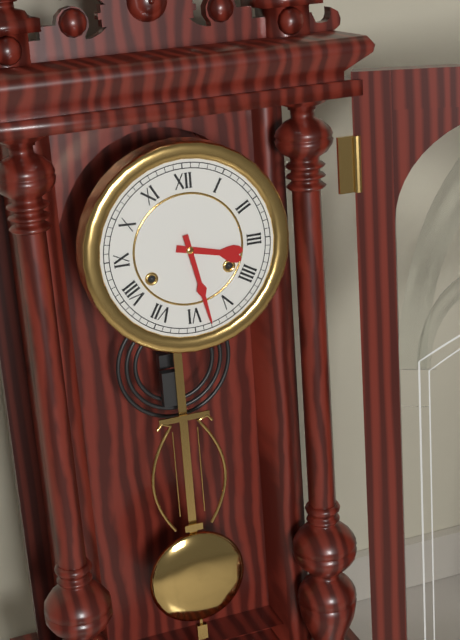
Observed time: 3.28
